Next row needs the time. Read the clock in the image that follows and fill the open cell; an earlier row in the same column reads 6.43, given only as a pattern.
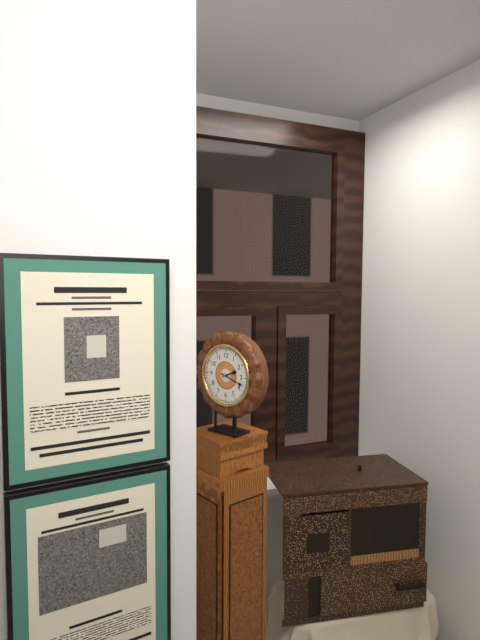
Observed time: 2.18
